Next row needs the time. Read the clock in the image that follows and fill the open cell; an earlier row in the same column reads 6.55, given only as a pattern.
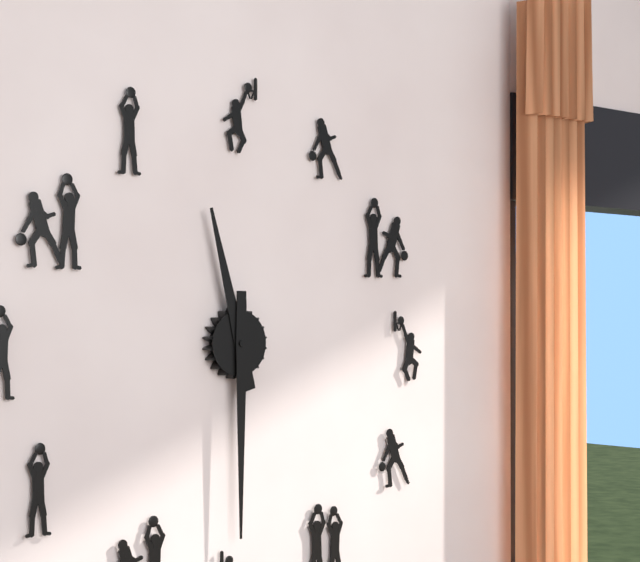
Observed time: 11.30
